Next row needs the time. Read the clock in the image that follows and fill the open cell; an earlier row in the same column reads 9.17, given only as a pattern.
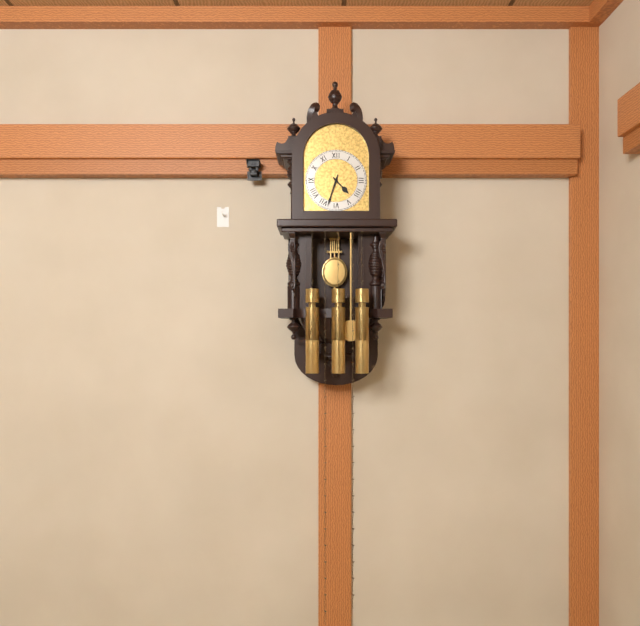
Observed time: 4.33
